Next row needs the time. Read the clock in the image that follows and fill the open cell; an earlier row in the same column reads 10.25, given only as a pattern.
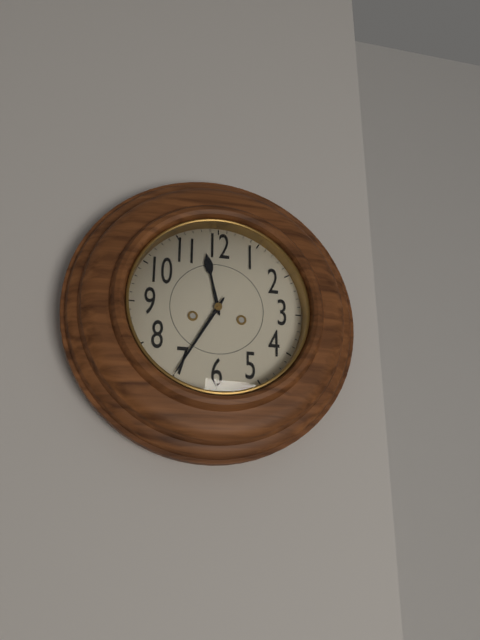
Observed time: 11.35
